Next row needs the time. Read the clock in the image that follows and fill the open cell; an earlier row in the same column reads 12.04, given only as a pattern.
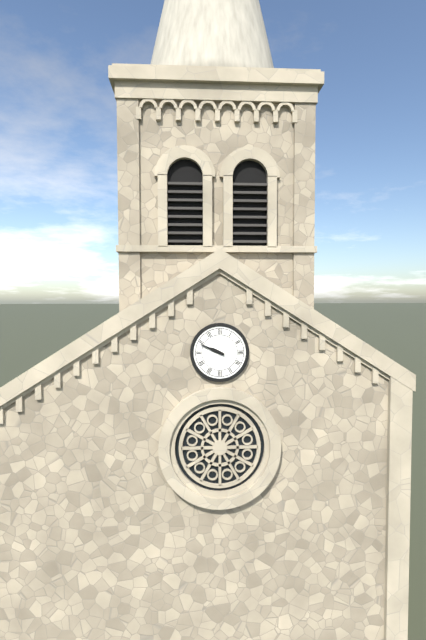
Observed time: 9.49
